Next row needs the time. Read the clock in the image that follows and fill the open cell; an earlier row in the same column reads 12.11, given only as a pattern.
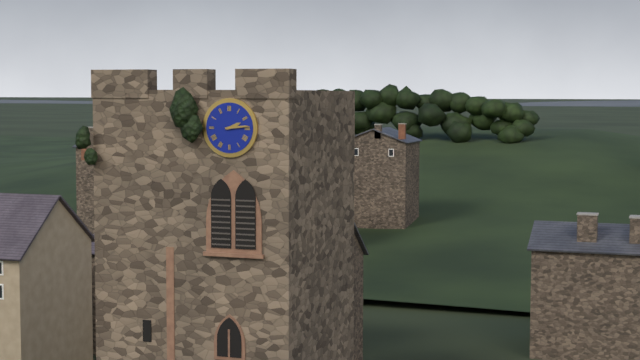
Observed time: 2.14
